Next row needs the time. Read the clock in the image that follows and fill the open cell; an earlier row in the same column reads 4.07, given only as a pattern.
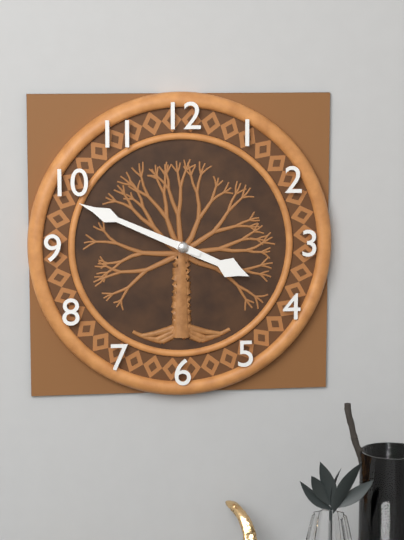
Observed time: 3.49
